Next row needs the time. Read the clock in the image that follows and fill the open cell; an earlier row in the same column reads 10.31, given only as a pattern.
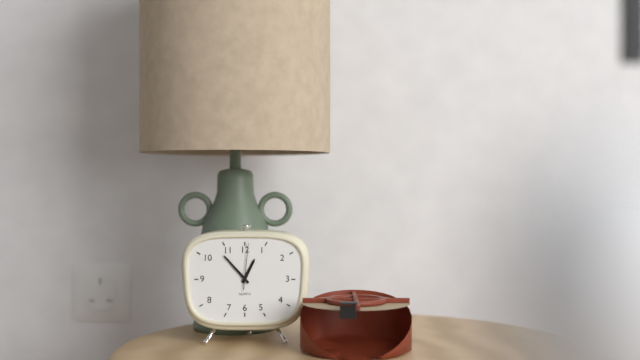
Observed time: 12.53
